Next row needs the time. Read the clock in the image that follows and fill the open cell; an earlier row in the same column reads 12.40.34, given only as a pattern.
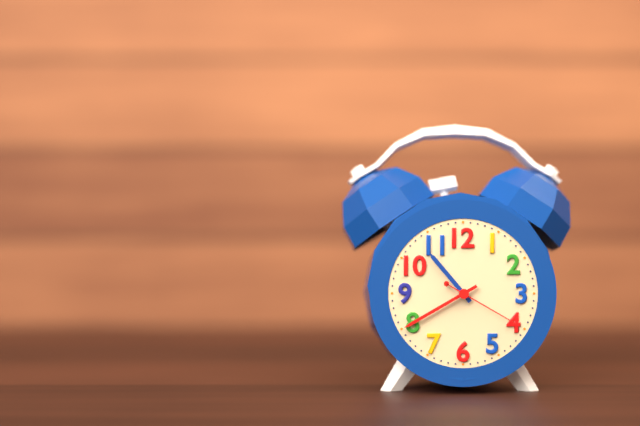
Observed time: 10.40.20
